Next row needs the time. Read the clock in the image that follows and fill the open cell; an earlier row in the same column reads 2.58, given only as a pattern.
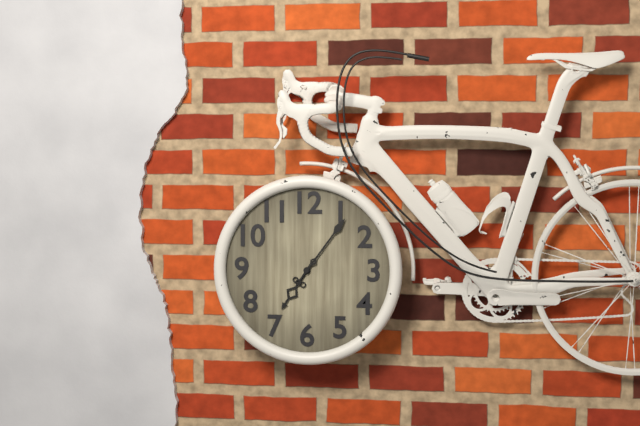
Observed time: 7.06
